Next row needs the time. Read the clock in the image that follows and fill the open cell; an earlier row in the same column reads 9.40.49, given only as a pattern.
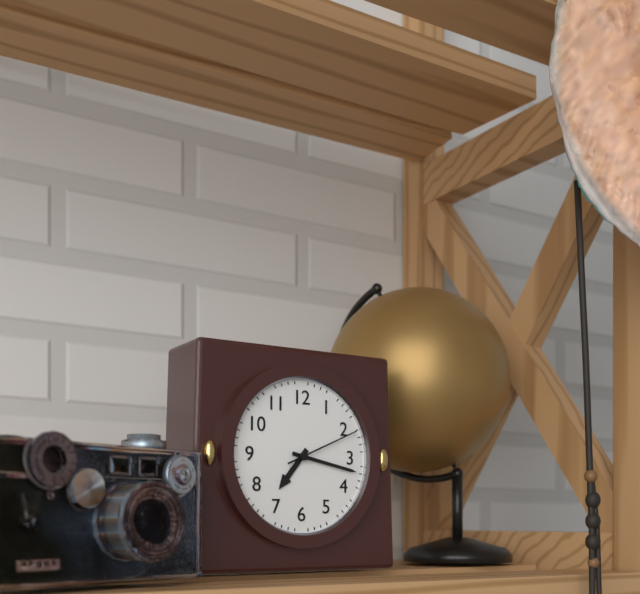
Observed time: 7.17.11
